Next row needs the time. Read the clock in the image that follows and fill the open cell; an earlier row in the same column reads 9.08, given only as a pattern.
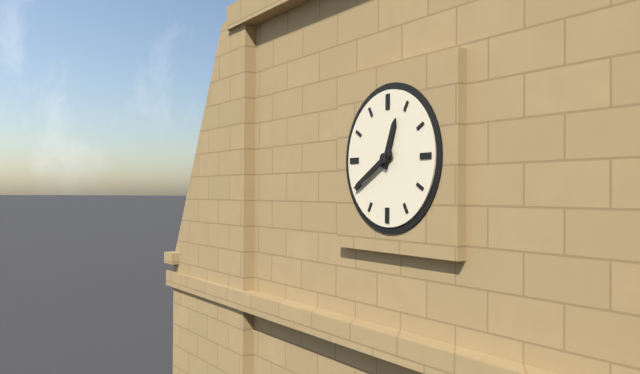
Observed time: 12.40
